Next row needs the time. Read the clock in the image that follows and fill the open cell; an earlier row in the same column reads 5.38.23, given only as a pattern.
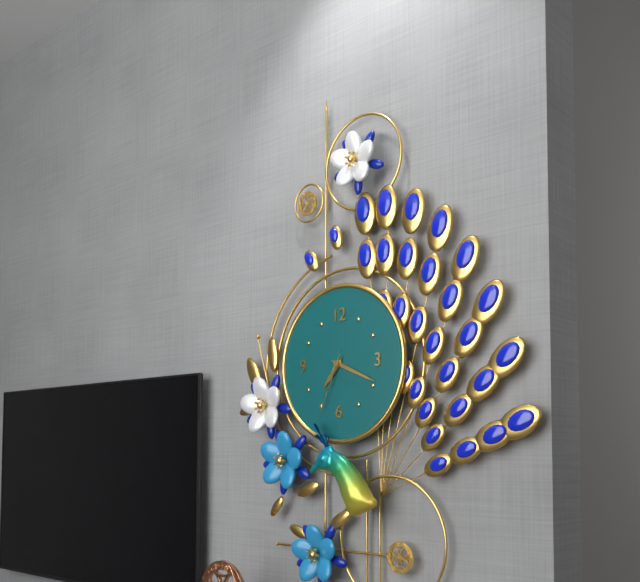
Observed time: 7.19.34
